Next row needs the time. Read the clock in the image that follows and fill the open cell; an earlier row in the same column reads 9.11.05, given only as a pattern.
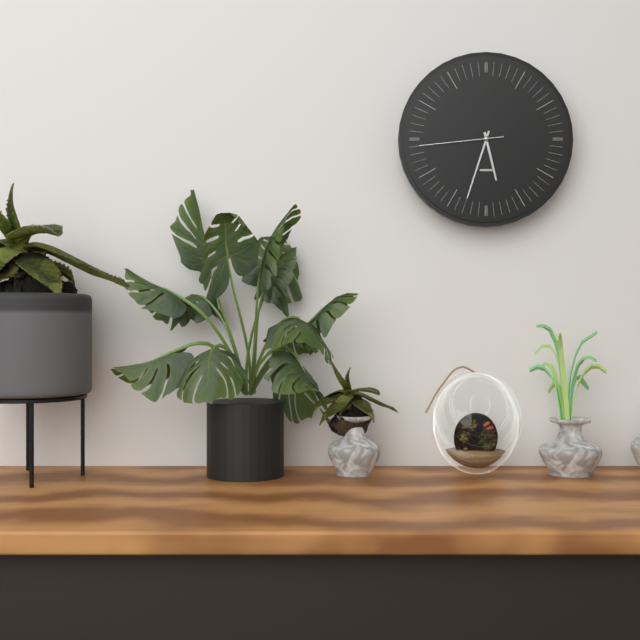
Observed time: 5.33.44
